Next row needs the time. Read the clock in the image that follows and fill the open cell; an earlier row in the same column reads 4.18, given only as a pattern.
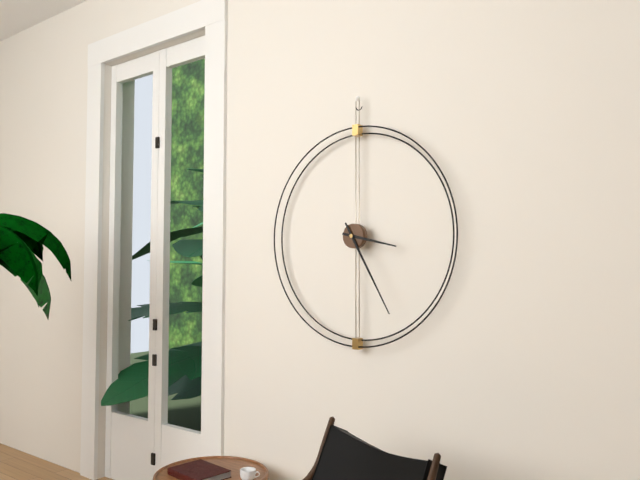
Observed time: 3.25
